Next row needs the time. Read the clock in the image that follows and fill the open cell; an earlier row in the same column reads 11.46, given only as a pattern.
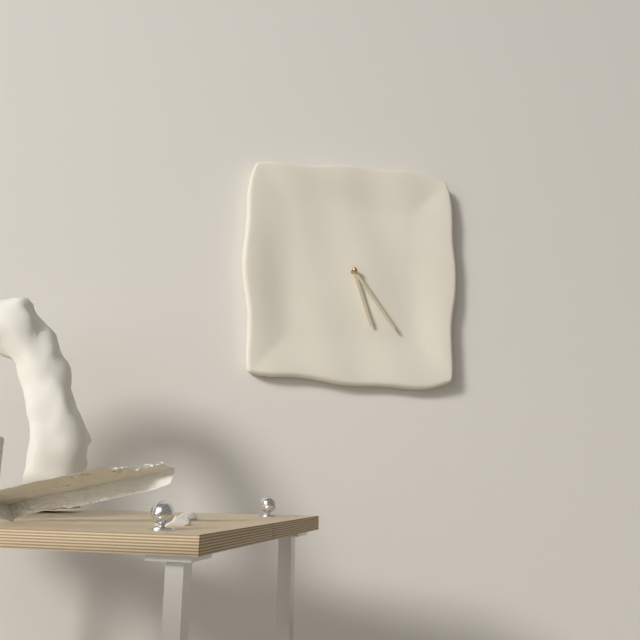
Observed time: 5.24
